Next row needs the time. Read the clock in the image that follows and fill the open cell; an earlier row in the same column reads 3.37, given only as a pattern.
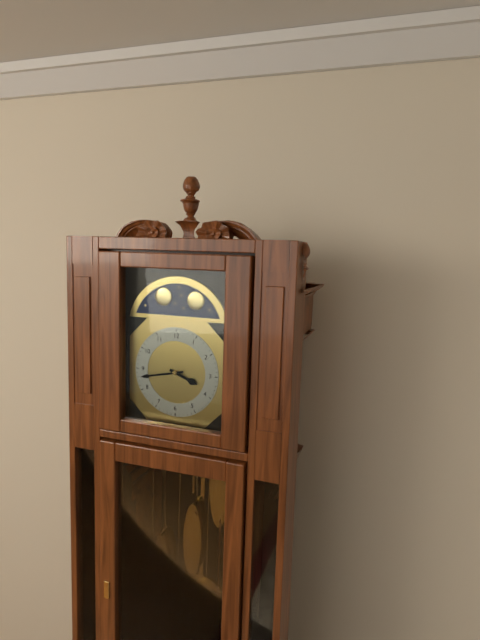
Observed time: 3.43
